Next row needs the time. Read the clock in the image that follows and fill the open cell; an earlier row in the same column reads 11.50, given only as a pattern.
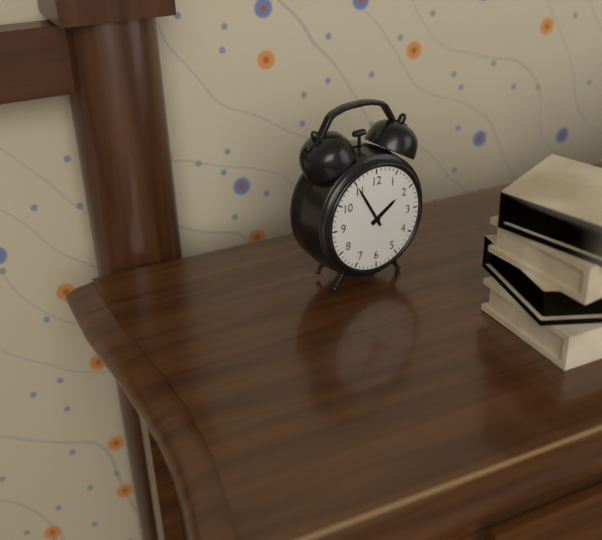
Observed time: 1.55
